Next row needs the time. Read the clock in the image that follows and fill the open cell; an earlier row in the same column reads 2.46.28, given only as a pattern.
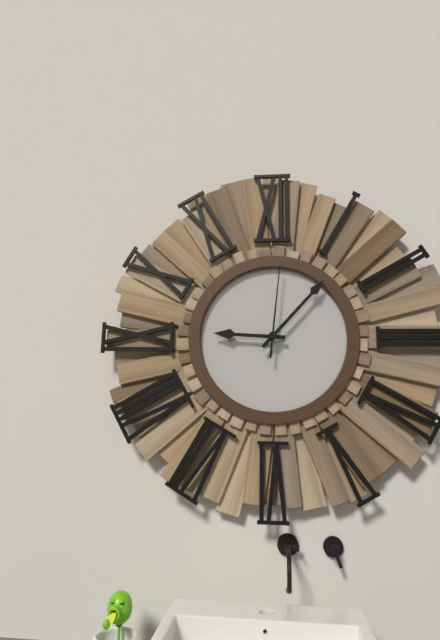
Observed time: 9.07.01
